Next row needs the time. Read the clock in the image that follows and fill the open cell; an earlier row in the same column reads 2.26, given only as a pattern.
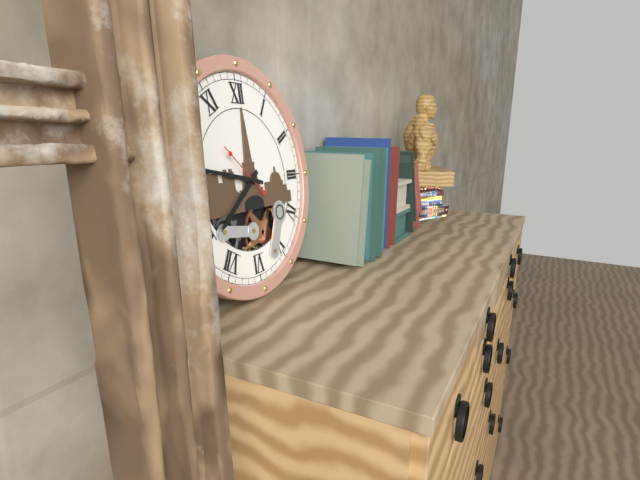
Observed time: 7.47
